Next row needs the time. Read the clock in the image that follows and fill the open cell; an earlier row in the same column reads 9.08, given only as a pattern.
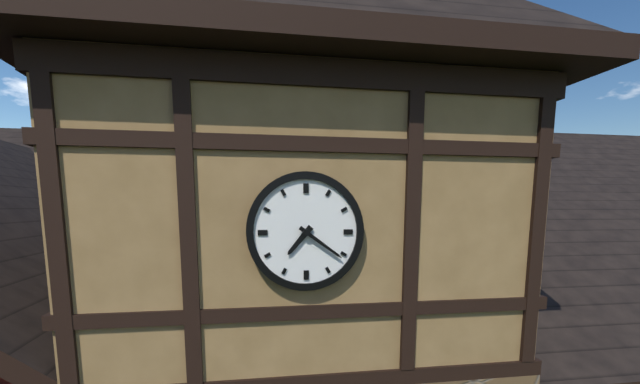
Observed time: 7.21
